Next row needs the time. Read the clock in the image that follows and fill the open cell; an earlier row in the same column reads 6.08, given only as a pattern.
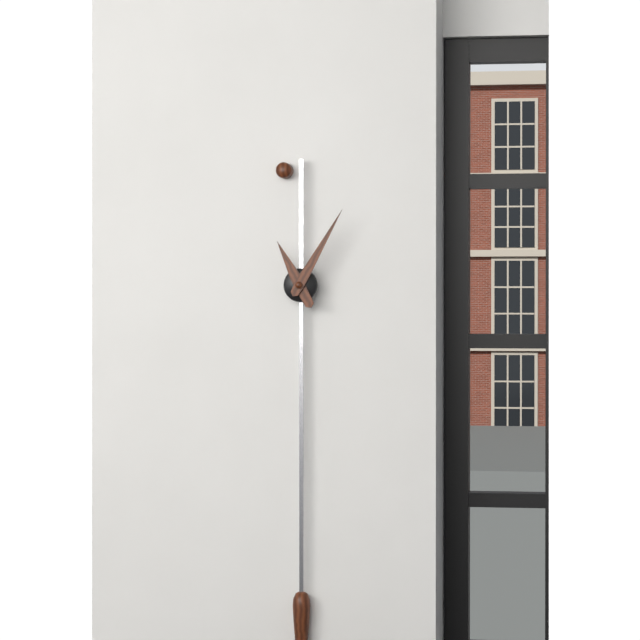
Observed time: 11.05
